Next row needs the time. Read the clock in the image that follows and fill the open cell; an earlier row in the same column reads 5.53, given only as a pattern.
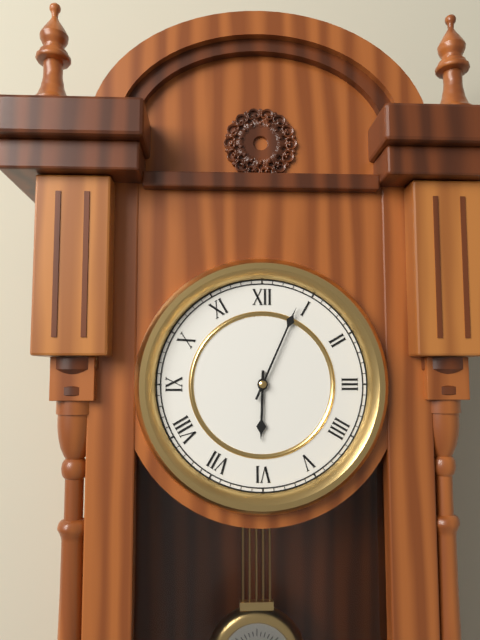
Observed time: 6.04
